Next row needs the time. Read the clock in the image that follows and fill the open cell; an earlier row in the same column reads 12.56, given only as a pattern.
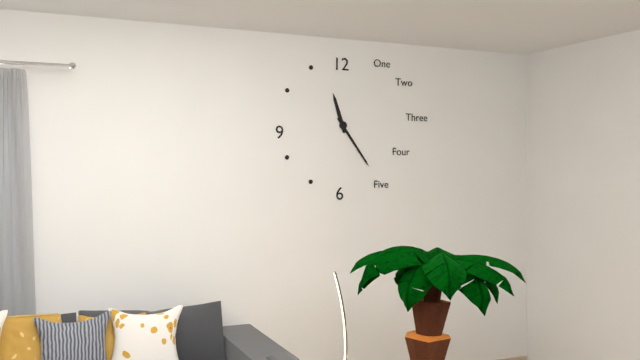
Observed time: 11.24
